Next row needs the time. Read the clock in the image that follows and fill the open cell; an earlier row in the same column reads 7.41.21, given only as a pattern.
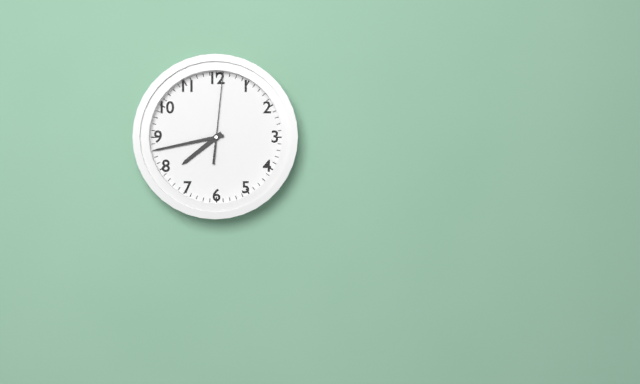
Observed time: 7.43.01
